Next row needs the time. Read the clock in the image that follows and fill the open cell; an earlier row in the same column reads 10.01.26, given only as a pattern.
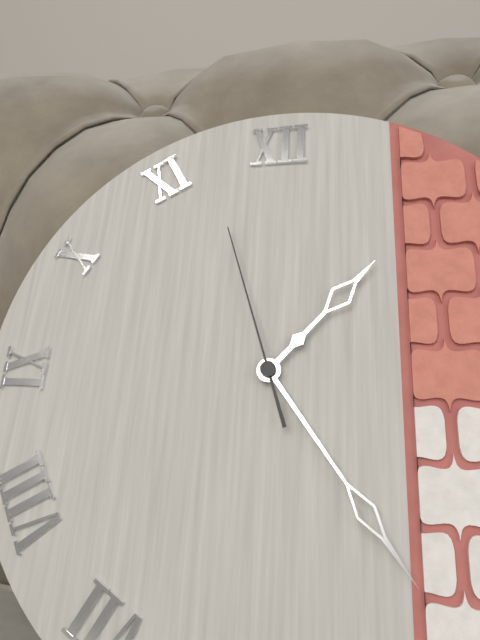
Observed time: 1.24.57
